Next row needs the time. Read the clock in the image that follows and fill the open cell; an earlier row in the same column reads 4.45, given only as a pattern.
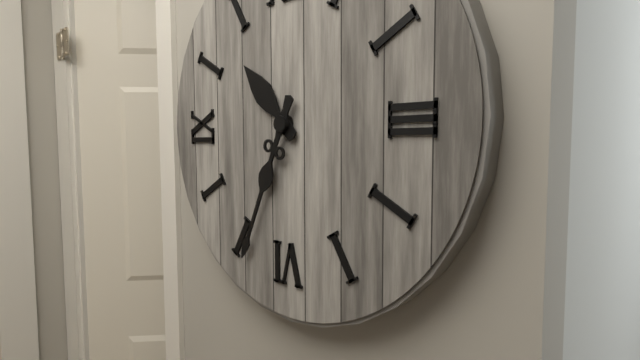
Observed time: 10.34
